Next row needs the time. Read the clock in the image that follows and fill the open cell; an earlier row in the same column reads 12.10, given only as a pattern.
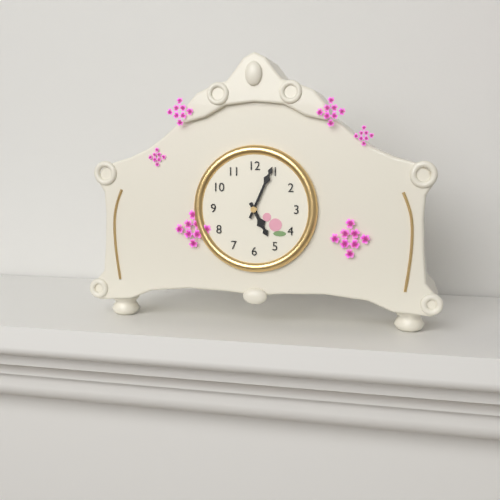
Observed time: 5.04
